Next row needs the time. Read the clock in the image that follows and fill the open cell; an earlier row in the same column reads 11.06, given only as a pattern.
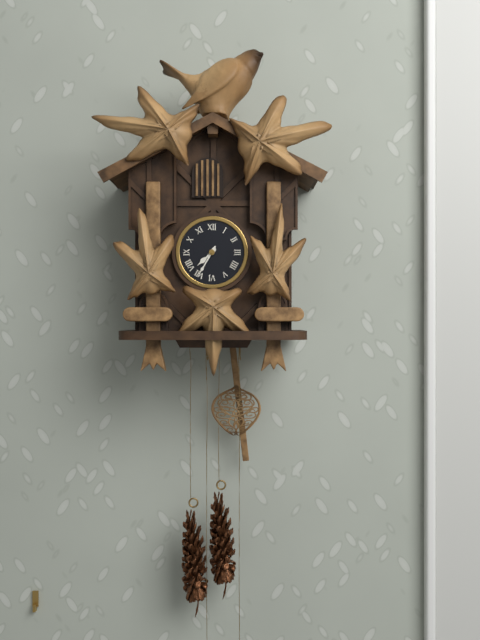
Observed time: 7.35
